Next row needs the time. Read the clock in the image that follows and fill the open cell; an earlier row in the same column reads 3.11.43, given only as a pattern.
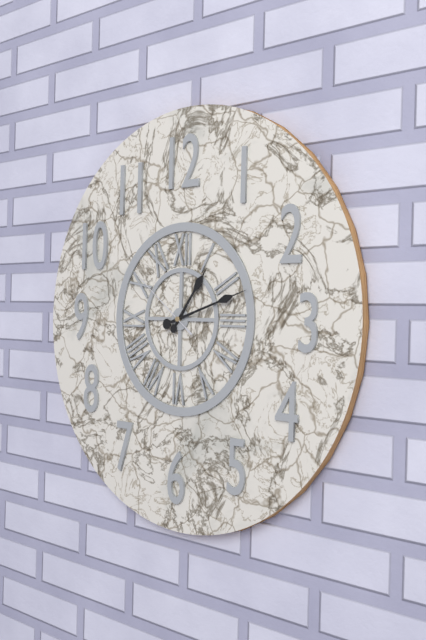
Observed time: 1.12.51
